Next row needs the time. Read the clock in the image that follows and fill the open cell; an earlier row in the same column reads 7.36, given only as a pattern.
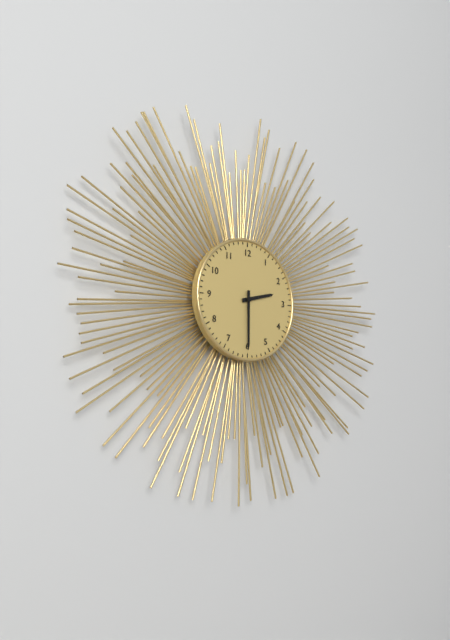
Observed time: 2.30
